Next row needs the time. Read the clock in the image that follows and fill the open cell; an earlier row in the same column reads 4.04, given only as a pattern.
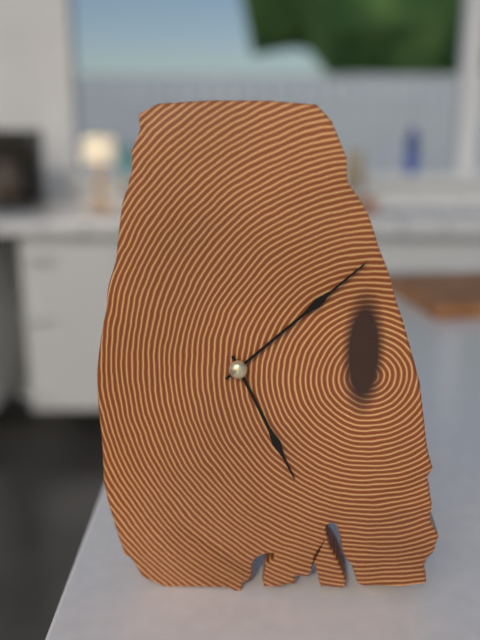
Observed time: 5.08
